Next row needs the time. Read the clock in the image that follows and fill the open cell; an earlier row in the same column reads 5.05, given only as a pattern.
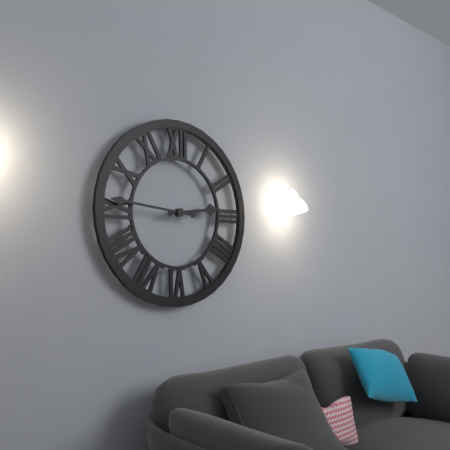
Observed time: 2.46
